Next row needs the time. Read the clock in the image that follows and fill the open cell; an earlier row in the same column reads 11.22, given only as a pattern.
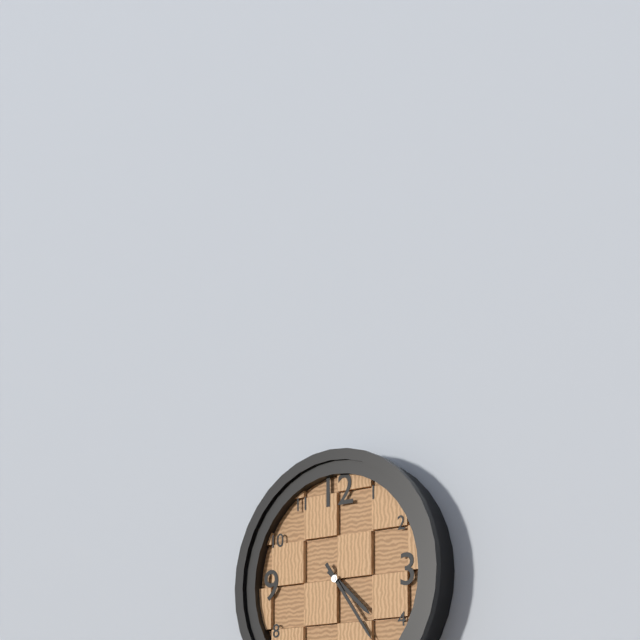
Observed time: 4.24
